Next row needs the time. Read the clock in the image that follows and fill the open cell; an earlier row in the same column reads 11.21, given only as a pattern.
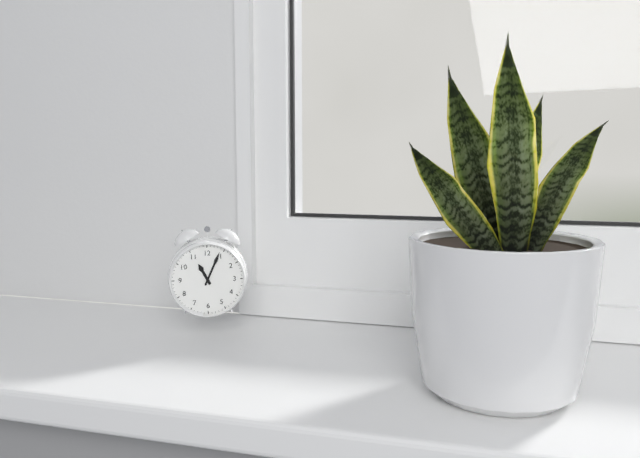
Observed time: 11.04
